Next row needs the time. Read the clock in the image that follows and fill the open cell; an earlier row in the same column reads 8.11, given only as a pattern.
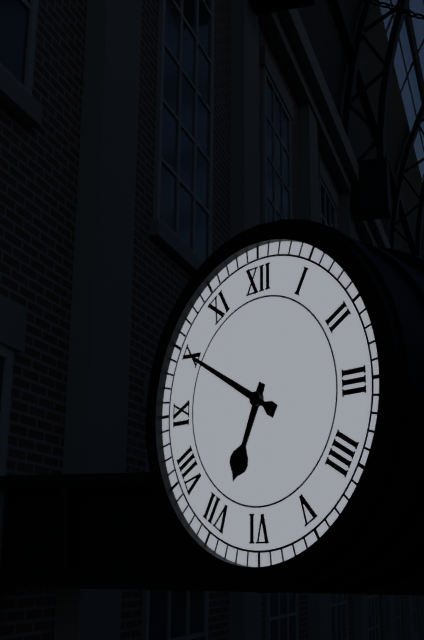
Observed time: 6.50
